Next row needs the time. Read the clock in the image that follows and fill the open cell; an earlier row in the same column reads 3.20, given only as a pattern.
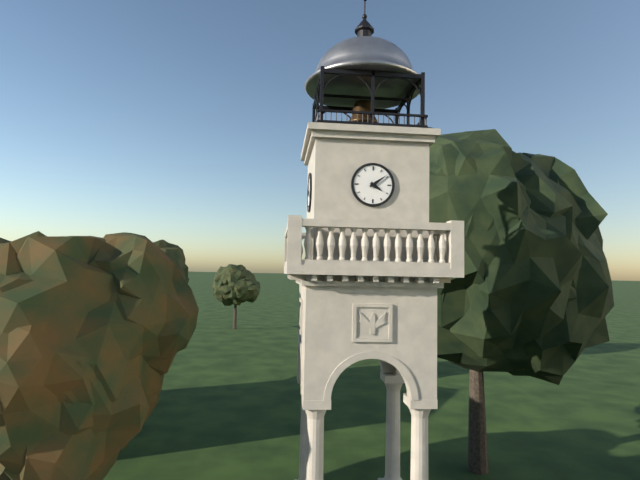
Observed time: 4.09
